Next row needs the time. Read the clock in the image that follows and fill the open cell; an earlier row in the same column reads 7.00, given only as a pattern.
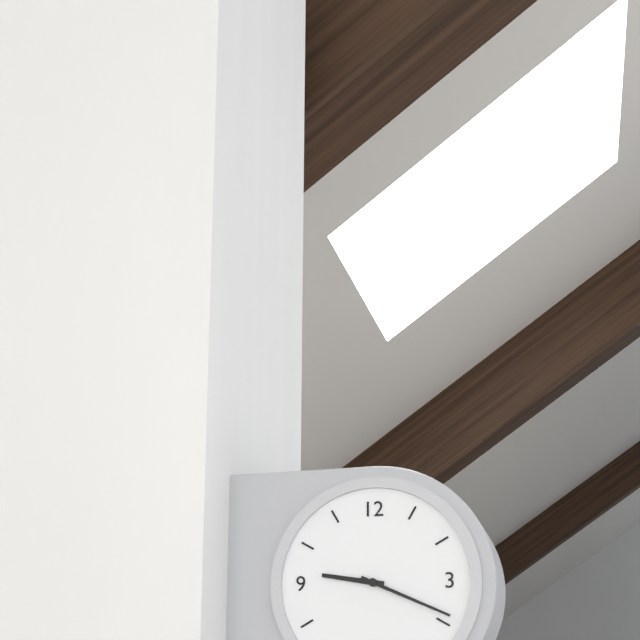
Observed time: 9.19
